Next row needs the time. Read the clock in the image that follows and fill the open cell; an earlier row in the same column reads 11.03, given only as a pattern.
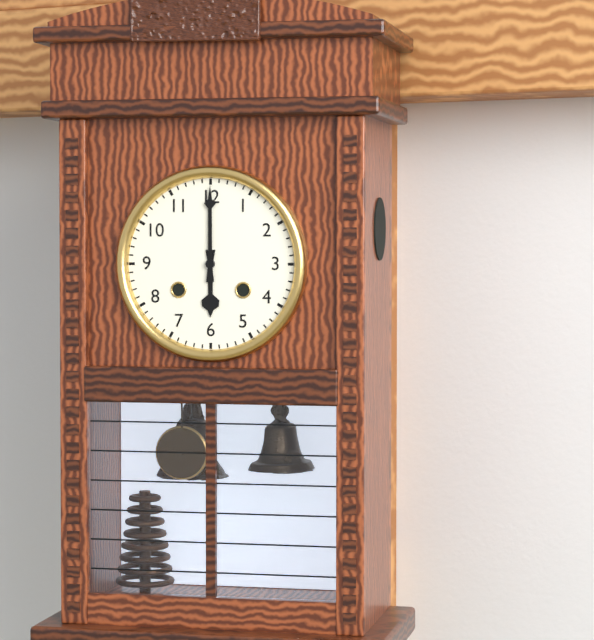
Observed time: 6.00
